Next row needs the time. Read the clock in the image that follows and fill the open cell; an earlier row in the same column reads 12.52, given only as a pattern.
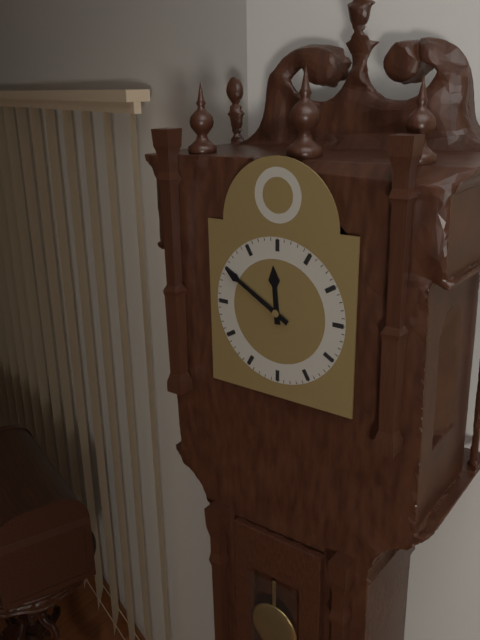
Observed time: 11.50
